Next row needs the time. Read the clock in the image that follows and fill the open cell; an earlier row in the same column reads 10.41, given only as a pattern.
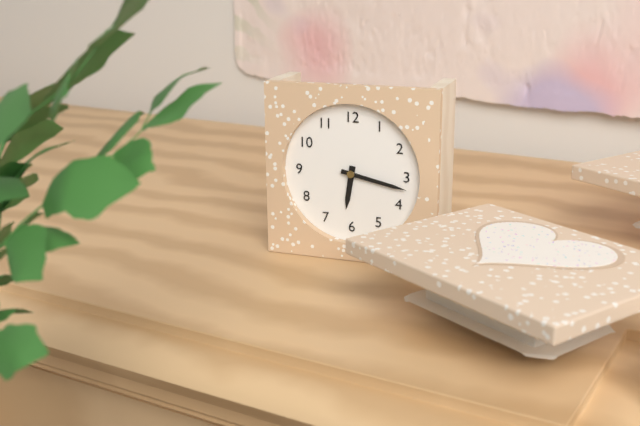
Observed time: 6.17
